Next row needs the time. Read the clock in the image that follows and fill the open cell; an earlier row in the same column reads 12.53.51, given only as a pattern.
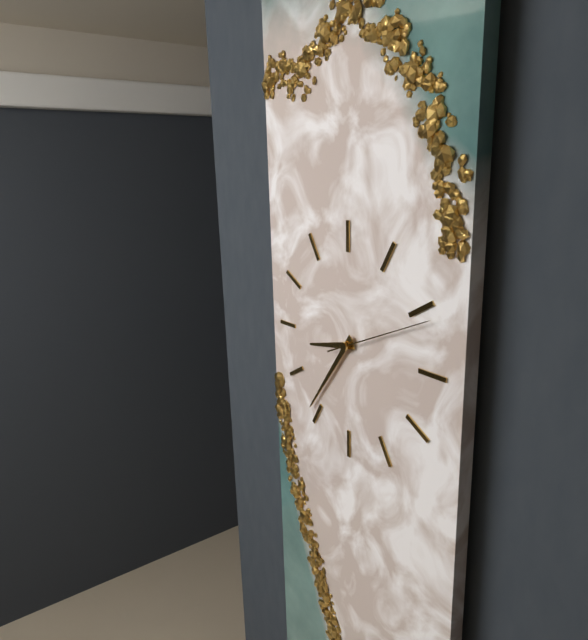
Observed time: 8.36.11
